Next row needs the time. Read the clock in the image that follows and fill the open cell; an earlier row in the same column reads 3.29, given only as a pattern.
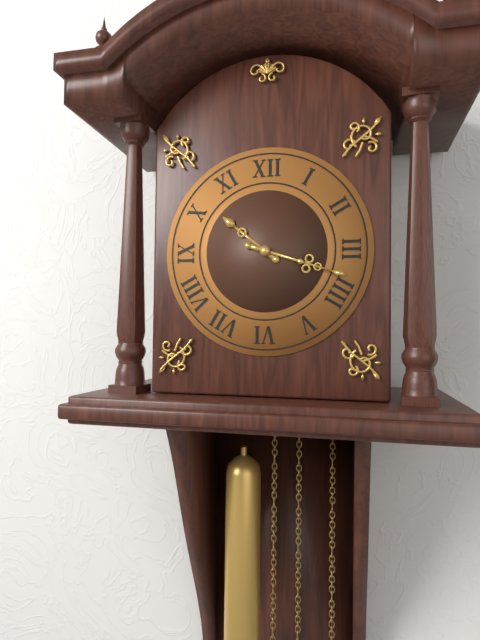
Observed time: 10.18
